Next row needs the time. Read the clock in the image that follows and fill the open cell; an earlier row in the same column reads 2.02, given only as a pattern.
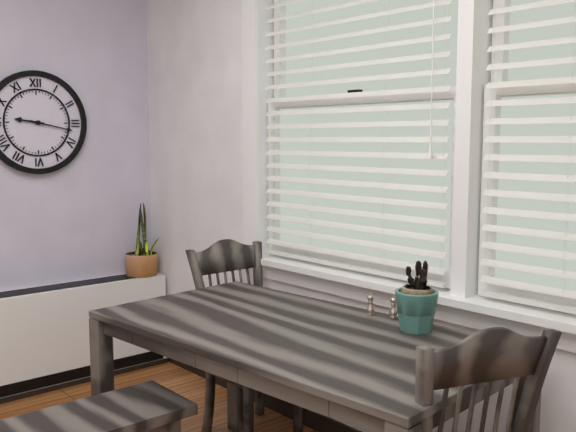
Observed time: 9.17
